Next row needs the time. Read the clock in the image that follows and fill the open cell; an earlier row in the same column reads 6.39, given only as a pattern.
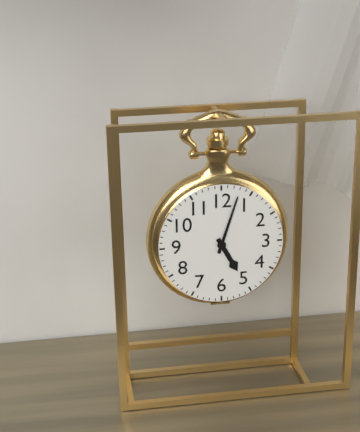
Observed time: 5.03
